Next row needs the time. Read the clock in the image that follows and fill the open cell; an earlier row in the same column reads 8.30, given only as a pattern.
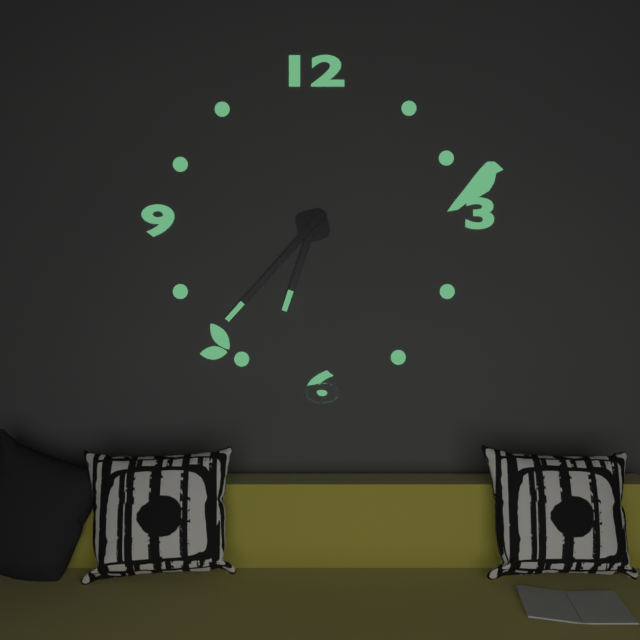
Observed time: 6.37
